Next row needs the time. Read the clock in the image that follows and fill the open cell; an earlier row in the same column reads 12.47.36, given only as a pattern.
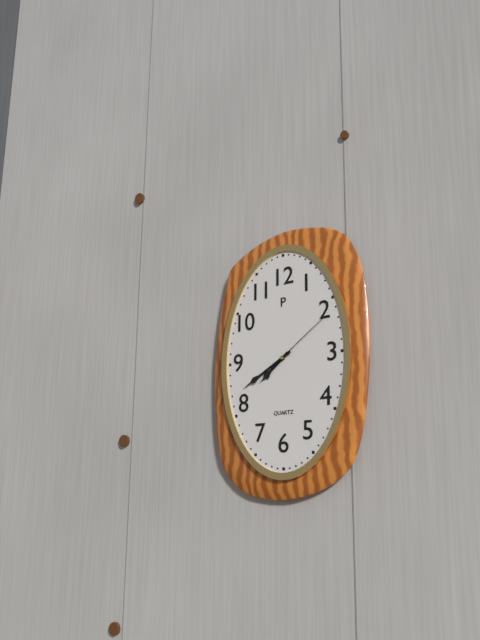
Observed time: 7.40.09
